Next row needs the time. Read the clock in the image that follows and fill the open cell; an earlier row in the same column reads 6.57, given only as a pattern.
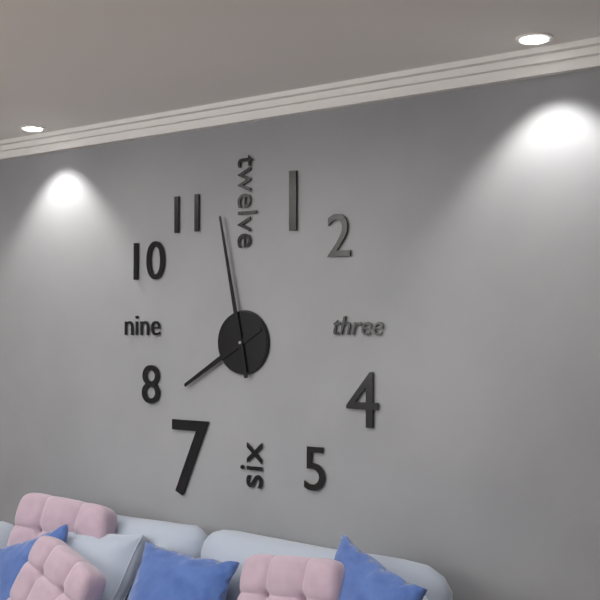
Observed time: 7.58
